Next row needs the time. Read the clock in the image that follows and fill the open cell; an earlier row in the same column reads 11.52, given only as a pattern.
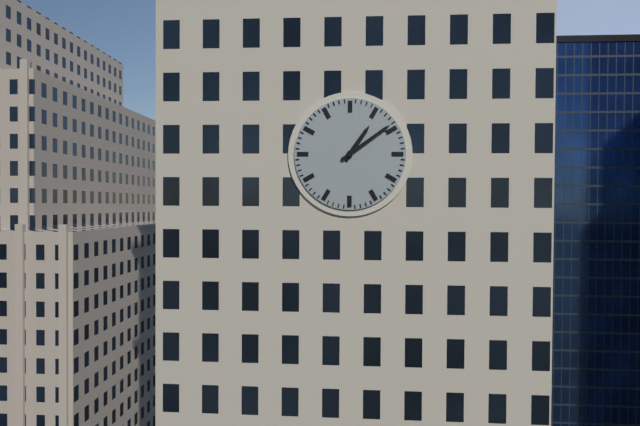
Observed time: 1.09
